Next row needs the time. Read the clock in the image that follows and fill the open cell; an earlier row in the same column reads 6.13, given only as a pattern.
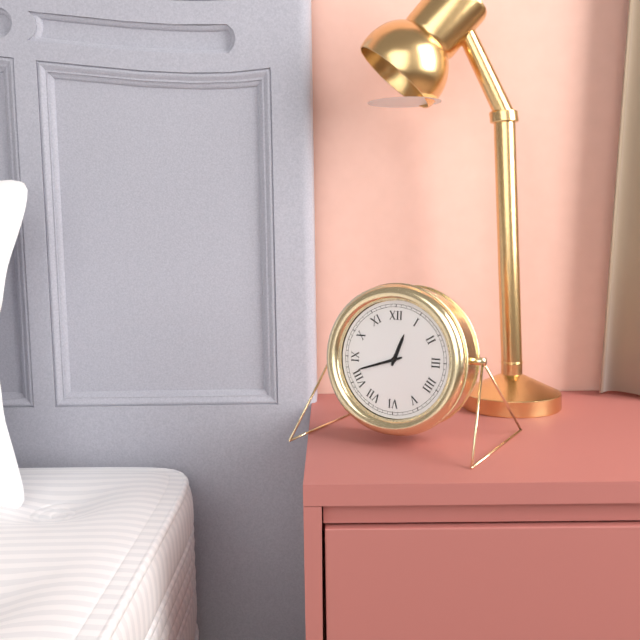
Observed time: 12.42
